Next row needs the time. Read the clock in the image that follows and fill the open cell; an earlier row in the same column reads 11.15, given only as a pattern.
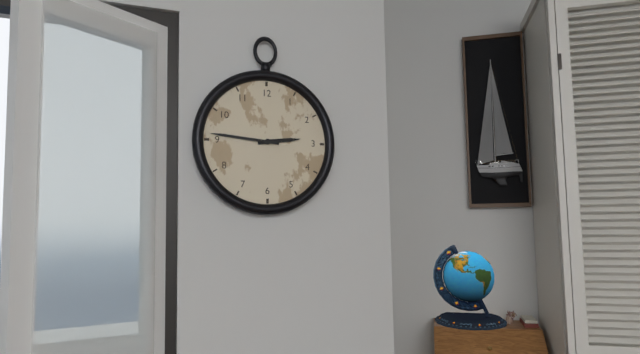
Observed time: 2.46
